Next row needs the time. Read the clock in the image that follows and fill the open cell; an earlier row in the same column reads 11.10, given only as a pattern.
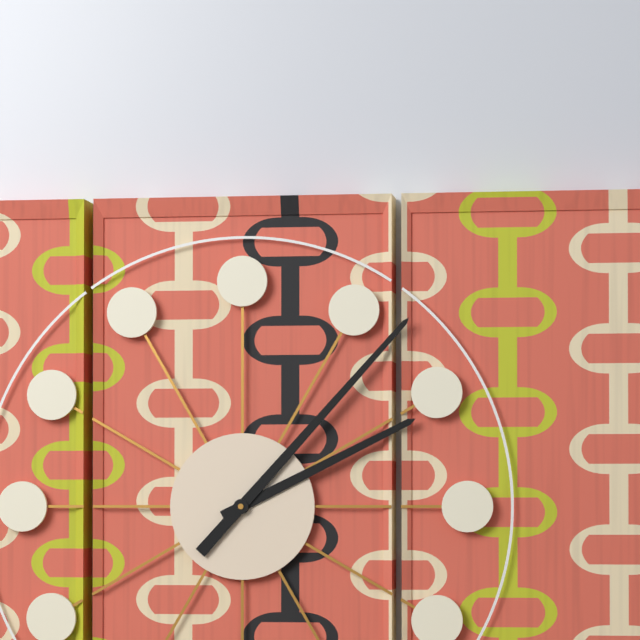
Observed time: 2.07
